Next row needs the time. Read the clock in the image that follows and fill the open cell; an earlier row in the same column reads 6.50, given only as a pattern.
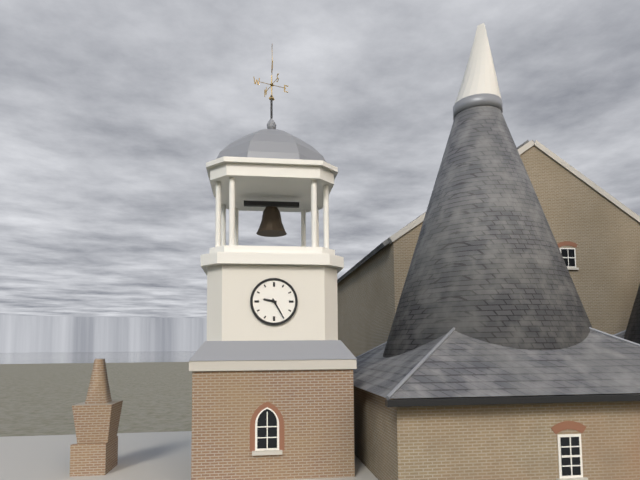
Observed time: 9.25
